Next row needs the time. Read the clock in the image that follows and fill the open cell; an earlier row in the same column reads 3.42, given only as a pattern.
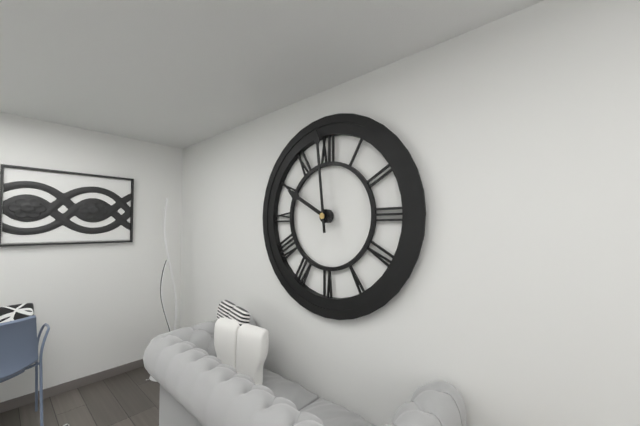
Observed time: 9.59
